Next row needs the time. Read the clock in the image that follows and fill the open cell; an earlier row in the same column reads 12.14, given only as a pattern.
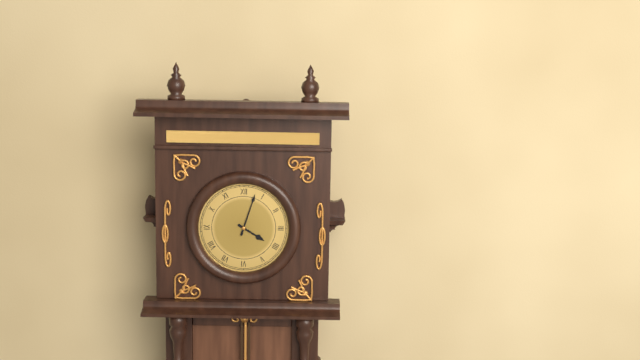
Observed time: 4.03
